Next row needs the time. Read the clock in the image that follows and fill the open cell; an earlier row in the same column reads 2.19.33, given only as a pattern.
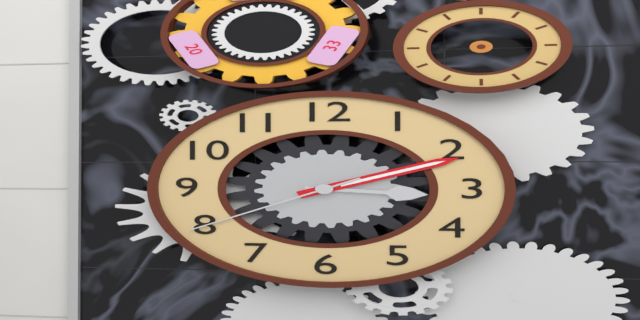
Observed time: 3.11.40
